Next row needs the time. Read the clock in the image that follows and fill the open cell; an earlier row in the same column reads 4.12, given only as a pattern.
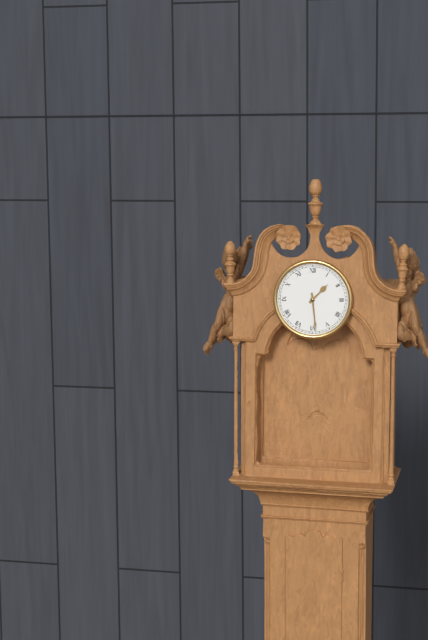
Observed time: 1.29
